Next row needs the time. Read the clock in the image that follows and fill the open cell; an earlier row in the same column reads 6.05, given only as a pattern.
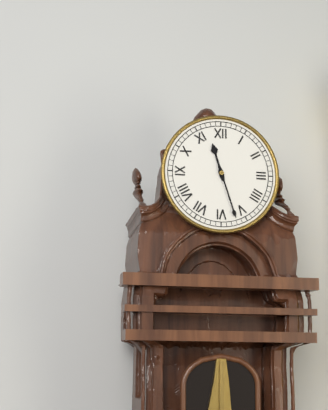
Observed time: 11.27
